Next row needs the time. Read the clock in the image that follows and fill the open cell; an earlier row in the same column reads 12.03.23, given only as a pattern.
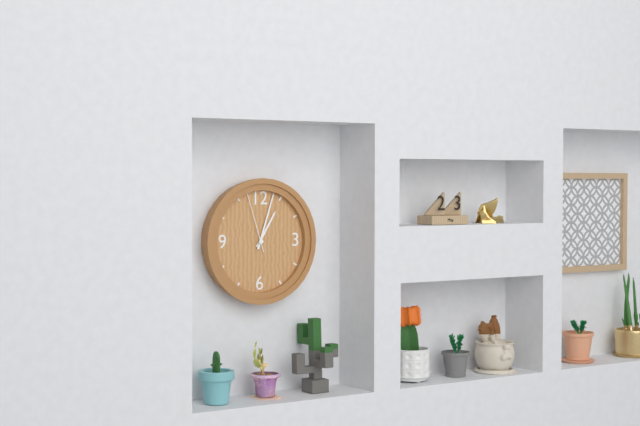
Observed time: 1.03.57
